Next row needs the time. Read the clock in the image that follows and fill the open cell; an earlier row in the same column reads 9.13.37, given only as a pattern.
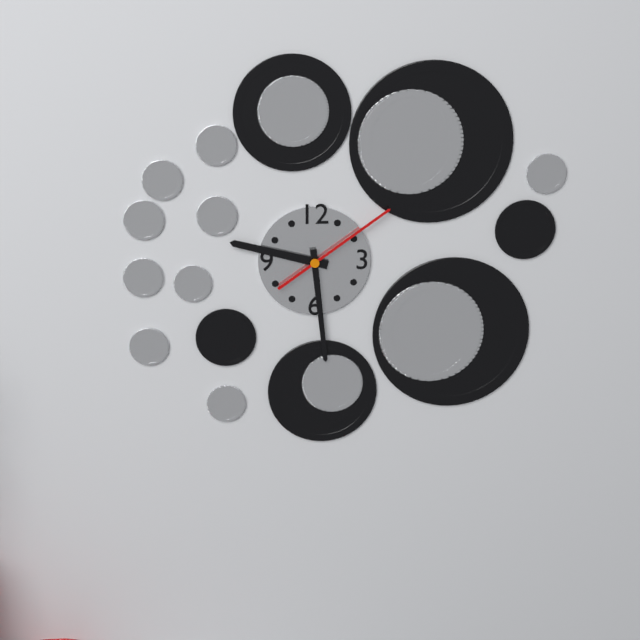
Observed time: 9.29.09
